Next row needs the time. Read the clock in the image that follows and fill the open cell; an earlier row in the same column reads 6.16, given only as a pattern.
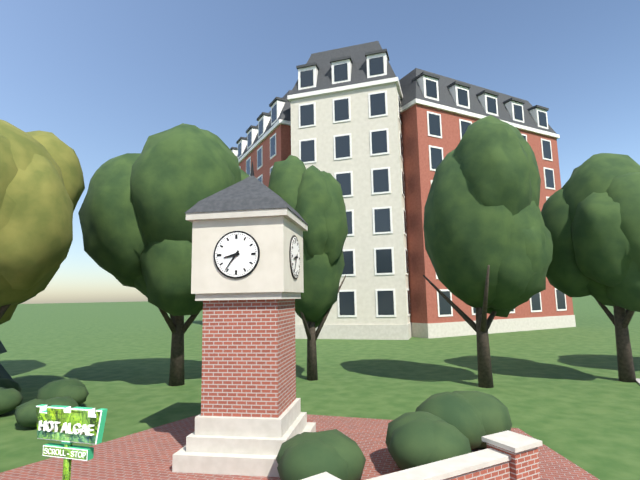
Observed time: 8.36
